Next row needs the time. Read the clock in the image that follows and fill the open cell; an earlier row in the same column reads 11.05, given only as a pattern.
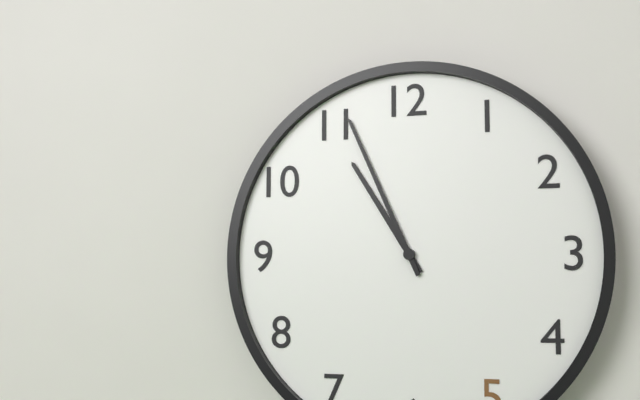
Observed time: 10.56
